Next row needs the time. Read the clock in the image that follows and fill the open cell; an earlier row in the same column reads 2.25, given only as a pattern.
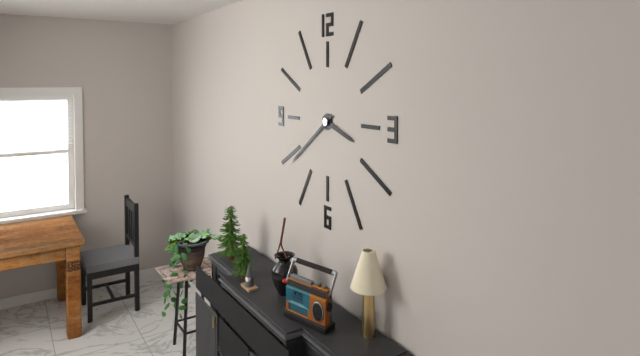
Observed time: 3.39
